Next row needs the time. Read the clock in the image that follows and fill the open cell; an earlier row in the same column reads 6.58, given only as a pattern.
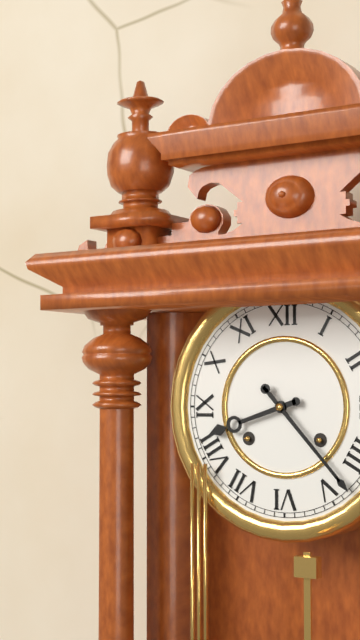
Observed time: 8.23
